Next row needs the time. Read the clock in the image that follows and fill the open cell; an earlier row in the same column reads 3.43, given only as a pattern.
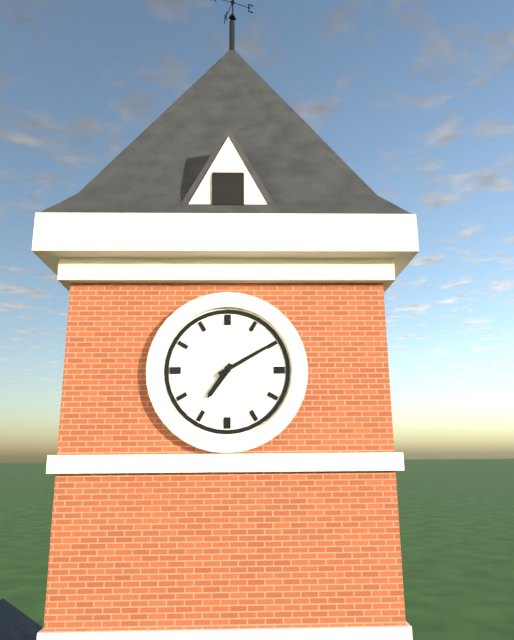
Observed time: 7.10
